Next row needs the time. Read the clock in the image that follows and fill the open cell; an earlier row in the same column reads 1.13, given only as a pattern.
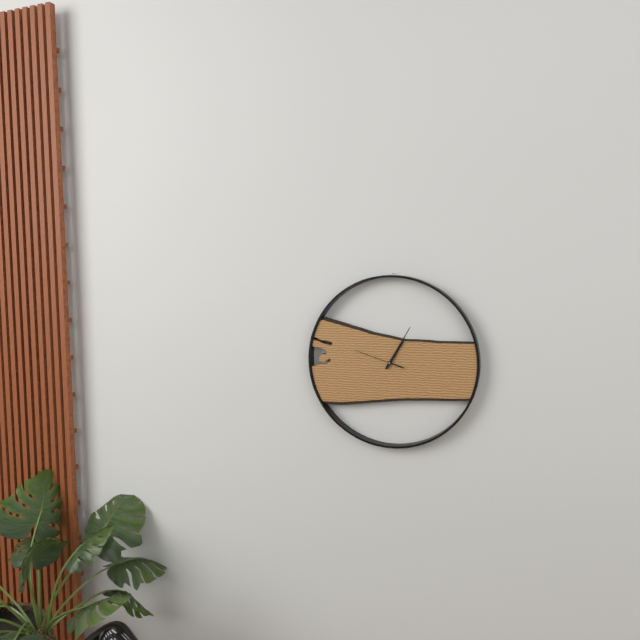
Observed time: 1.05
